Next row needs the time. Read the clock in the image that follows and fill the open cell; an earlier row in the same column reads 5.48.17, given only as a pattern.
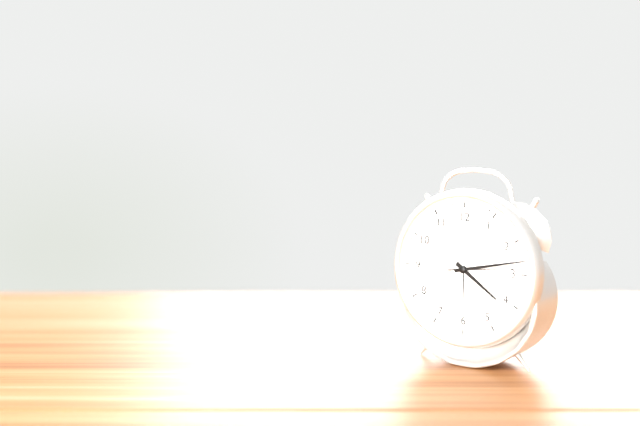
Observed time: 4.13.14
